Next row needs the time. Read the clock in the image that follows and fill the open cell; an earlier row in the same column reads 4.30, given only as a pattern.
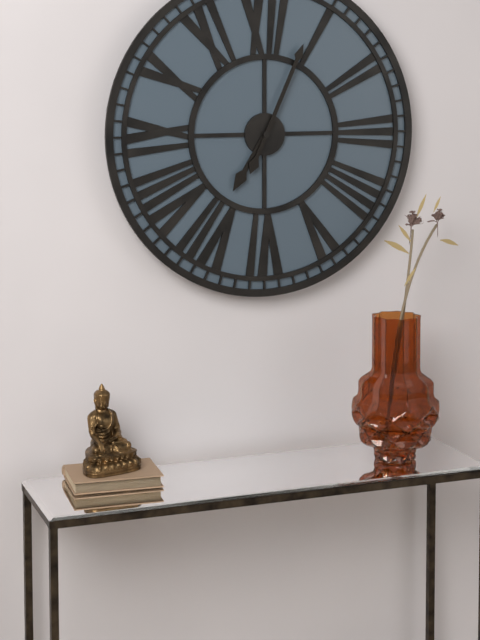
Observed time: 7.04
